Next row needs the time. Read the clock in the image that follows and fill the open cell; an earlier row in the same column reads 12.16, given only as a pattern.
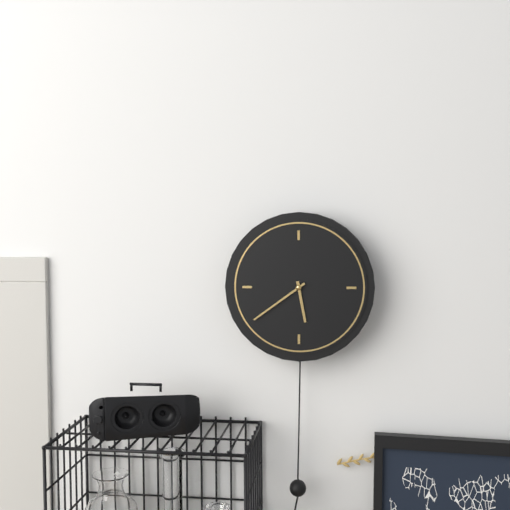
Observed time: 5.39
